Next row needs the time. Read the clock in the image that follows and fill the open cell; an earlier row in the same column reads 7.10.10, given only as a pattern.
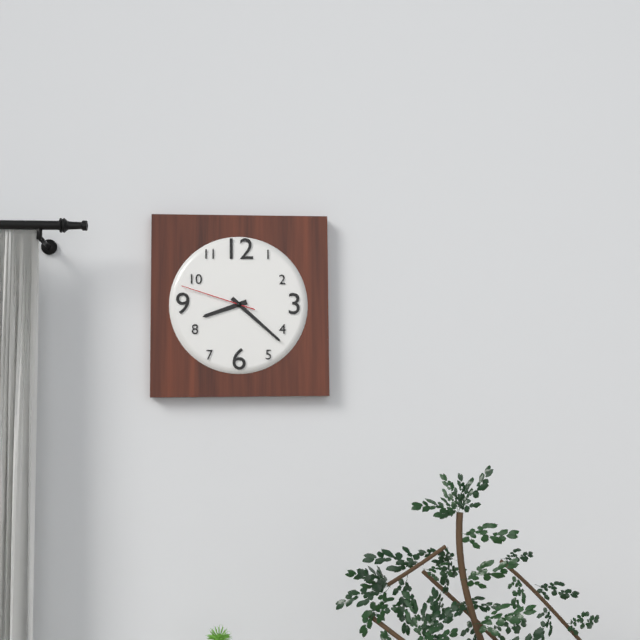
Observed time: 8.22.48
